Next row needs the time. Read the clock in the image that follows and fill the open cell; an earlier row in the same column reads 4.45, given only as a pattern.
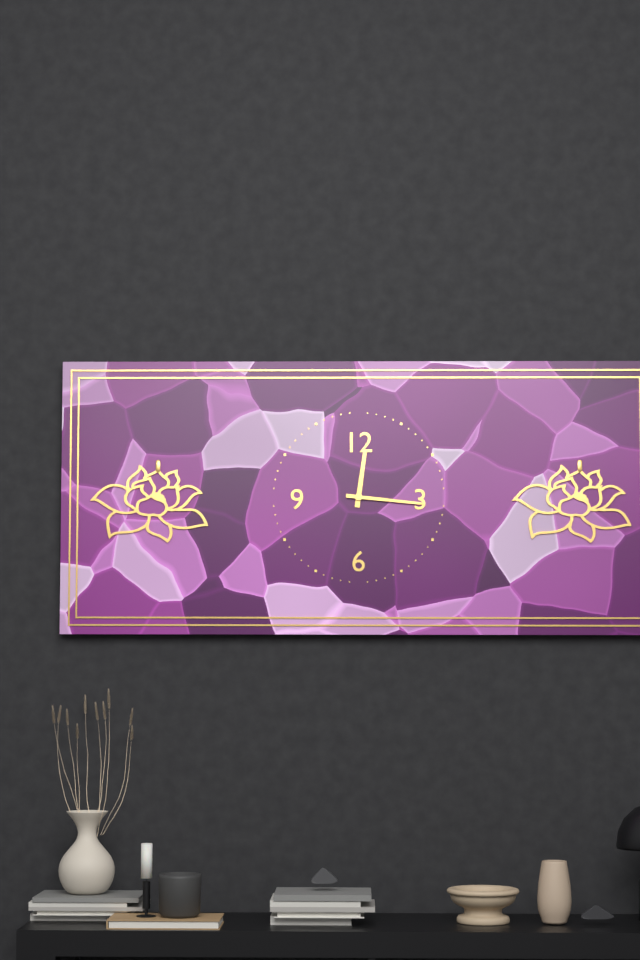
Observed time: 12.16
